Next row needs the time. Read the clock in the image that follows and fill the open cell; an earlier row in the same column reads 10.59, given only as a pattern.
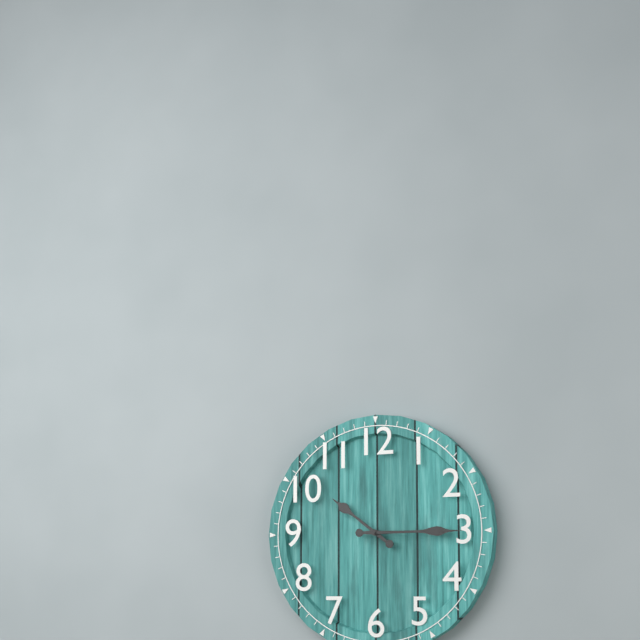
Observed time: 10.15
